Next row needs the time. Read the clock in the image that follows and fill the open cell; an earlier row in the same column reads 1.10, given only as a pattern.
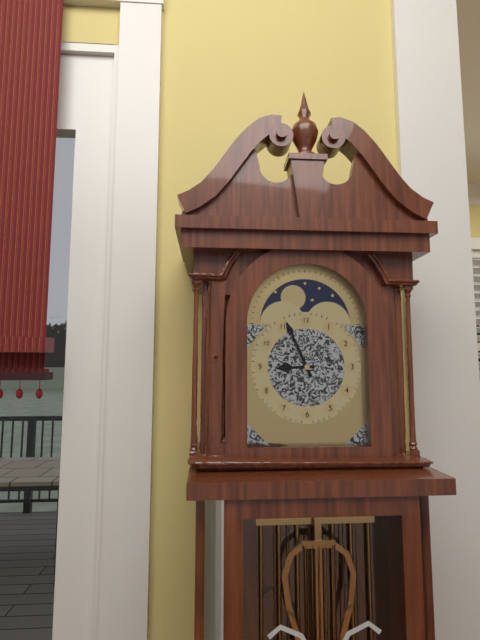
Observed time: 8.56
